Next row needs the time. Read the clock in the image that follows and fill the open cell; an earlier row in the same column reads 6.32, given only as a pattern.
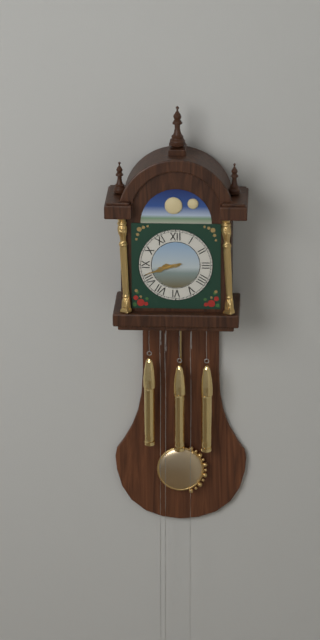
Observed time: 8.42
